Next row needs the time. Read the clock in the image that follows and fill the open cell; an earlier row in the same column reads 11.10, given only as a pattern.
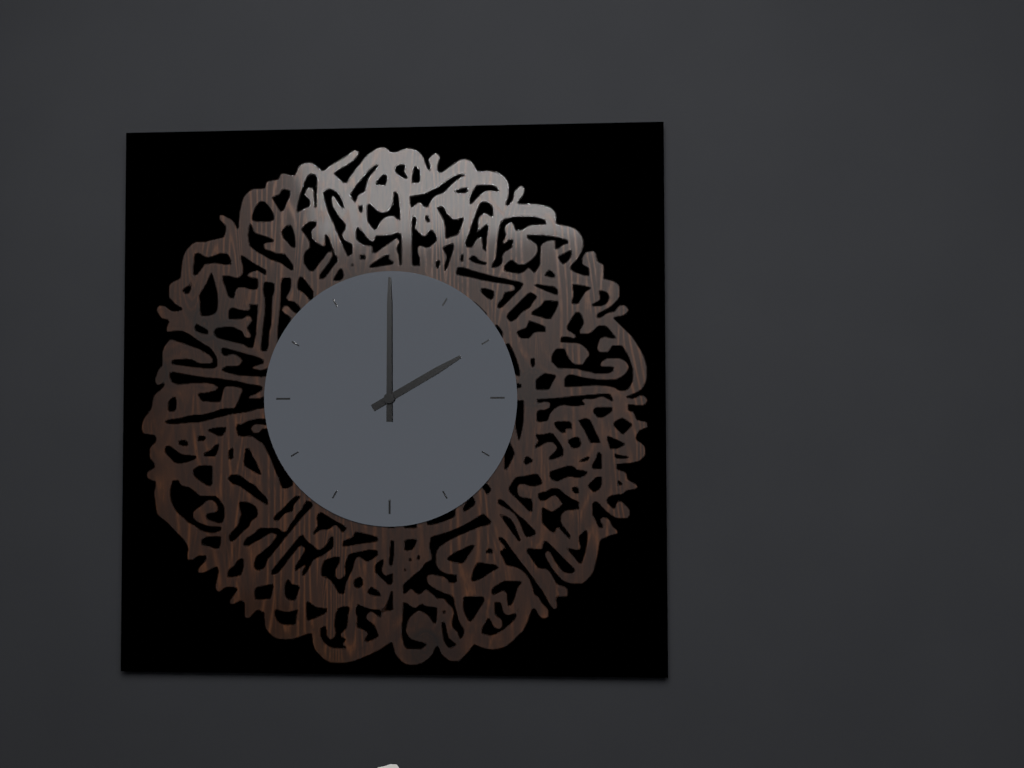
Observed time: 2.00
